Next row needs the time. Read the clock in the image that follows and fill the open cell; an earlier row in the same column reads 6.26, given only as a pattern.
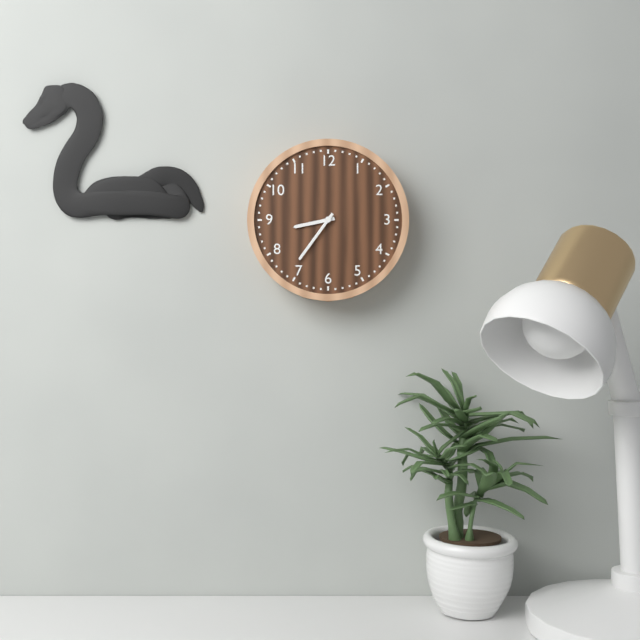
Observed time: 8.36
